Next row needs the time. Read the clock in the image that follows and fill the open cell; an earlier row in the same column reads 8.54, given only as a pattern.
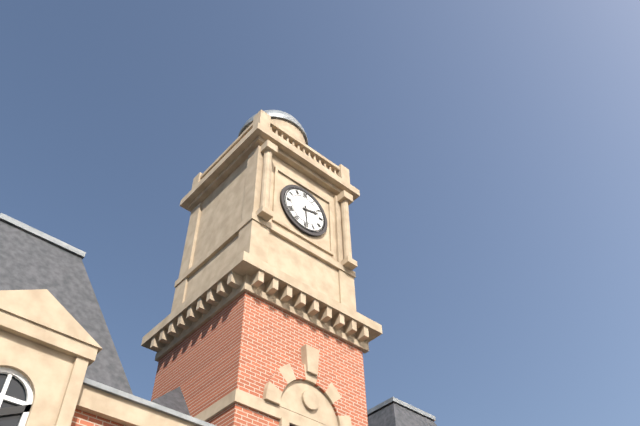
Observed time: 2.29
